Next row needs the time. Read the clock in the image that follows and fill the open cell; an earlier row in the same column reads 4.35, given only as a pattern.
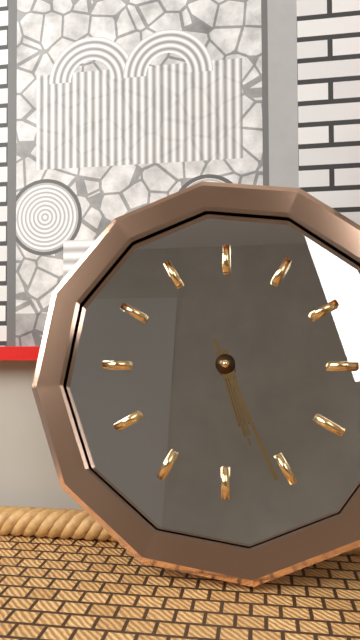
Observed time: 5.26
